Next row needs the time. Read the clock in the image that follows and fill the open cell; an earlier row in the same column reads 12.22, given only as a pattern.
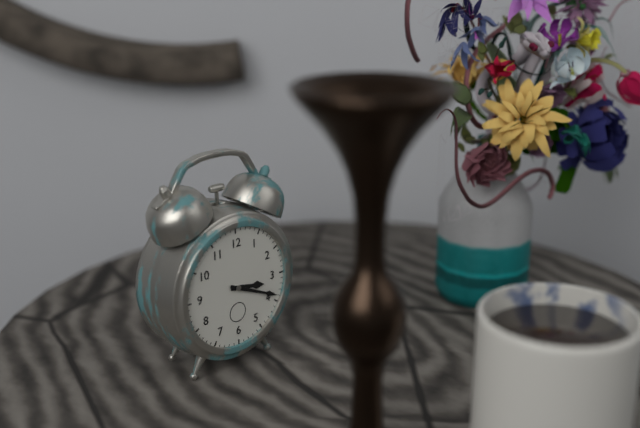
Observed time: 3.19
